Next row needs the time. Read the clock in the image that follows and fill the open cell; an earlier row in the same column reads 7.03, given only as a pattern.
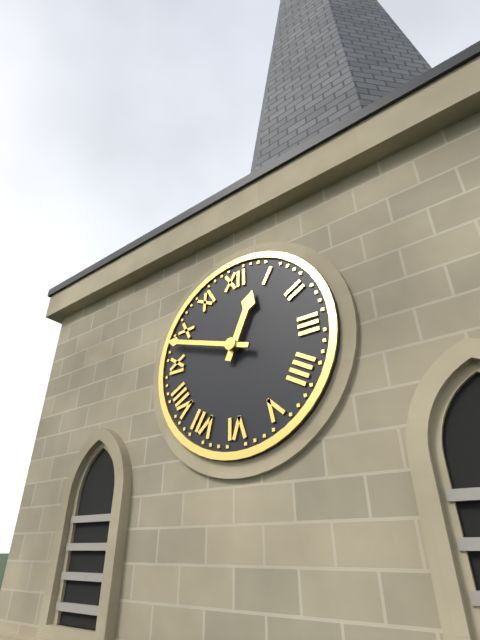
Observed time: 12.48
